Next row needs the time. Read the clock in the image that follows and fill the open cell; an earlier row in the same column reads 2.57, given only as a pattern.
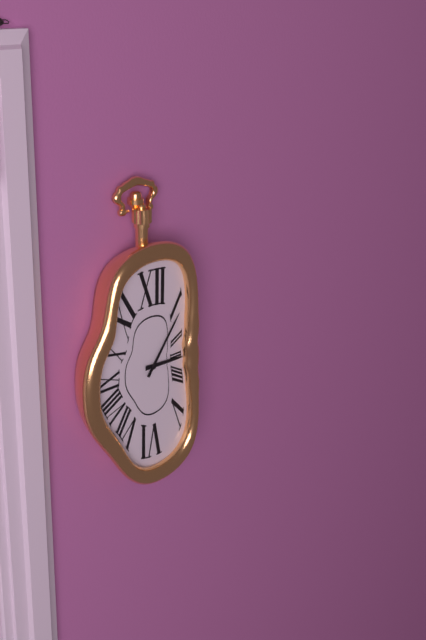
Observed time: 3.06
